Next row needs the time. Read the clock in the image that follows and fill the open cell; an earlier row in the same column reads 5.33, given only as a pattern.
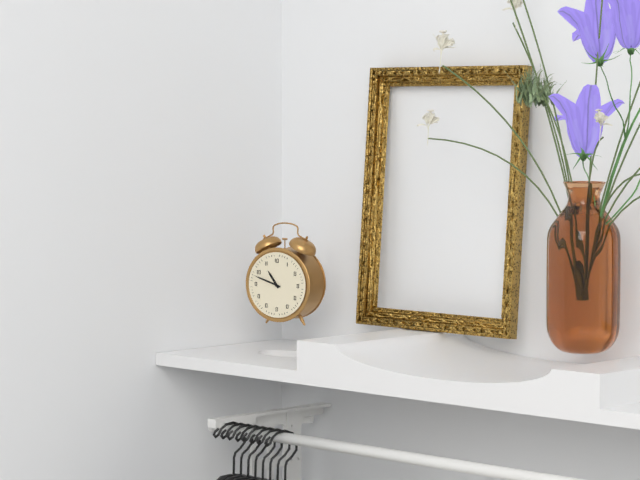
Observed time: 10.48
